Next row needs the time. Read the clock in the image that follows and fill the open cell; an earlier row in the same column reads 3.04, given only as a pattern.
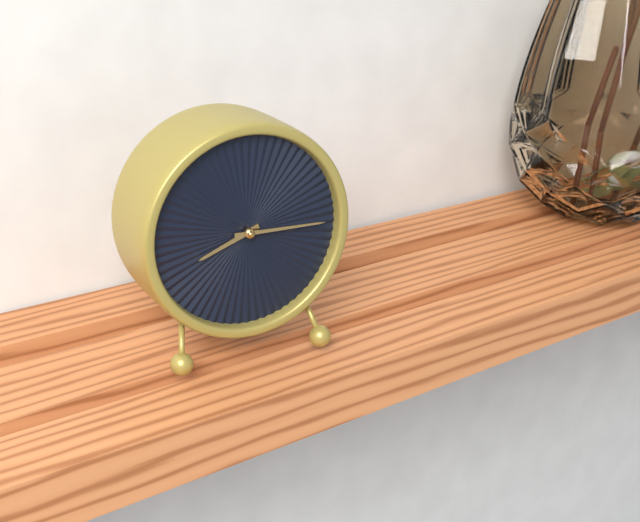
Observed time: 8.15
